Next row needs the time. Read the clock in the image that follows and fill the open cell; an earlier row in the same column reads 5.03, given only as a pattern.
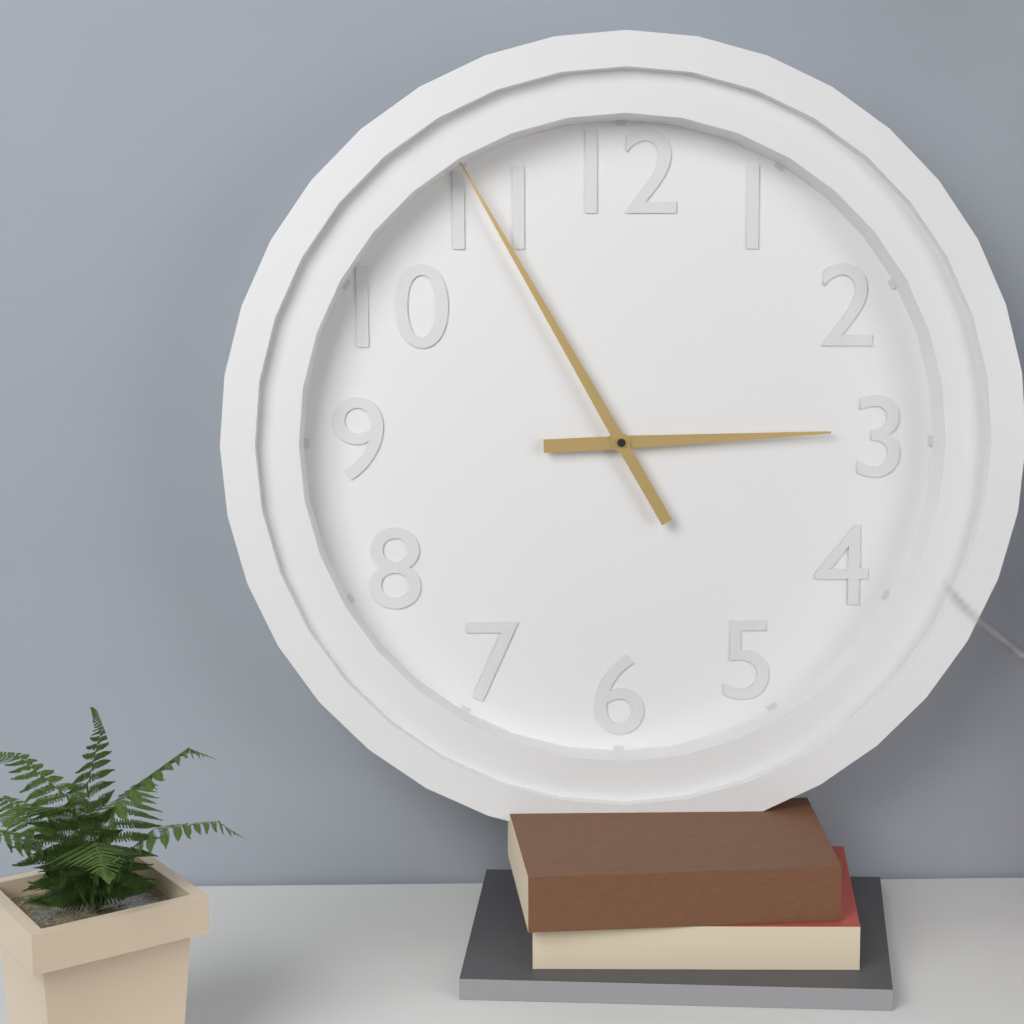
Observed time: 2.55
